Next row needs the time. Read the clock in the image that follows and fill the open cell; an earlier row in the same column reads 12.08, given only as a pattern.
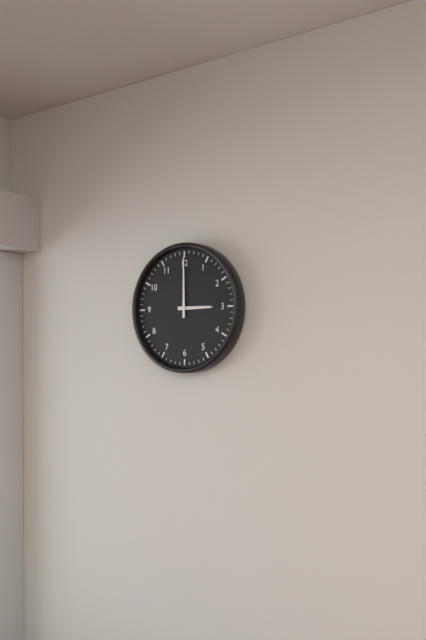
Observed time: 3.00
